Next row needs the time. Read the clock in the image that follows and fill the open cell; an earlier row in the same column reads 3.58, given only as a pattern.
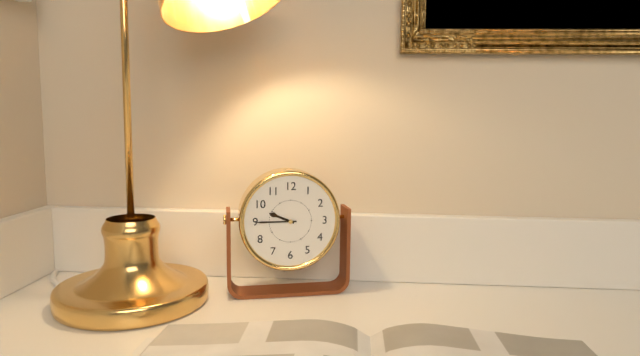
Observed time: 9.45
